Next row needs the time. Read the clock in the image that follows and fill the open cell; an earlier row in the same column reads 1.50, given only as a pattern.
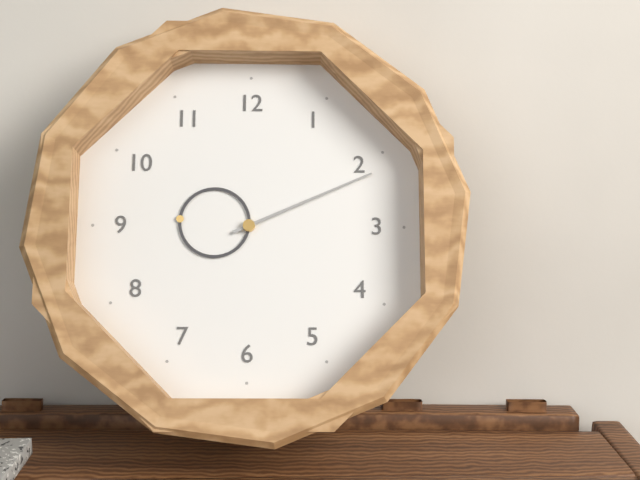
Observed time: 9.11
